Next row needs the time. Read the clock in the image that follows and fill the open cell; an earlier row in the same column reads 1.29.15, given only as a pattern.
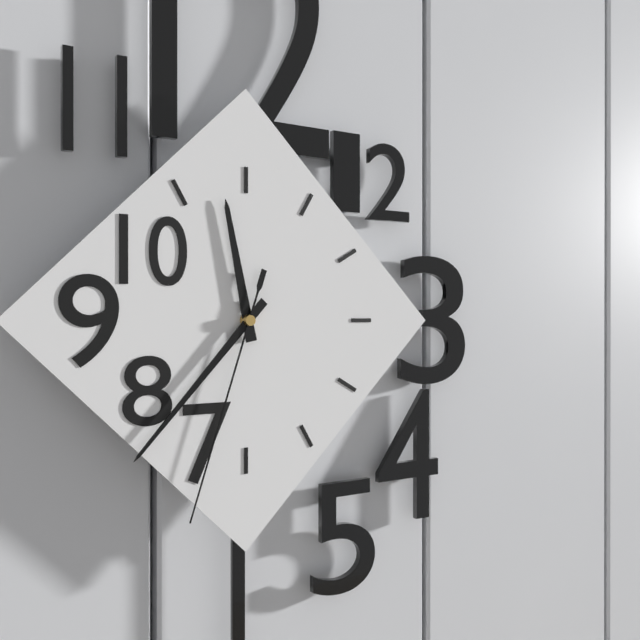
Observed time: 11.37.33
